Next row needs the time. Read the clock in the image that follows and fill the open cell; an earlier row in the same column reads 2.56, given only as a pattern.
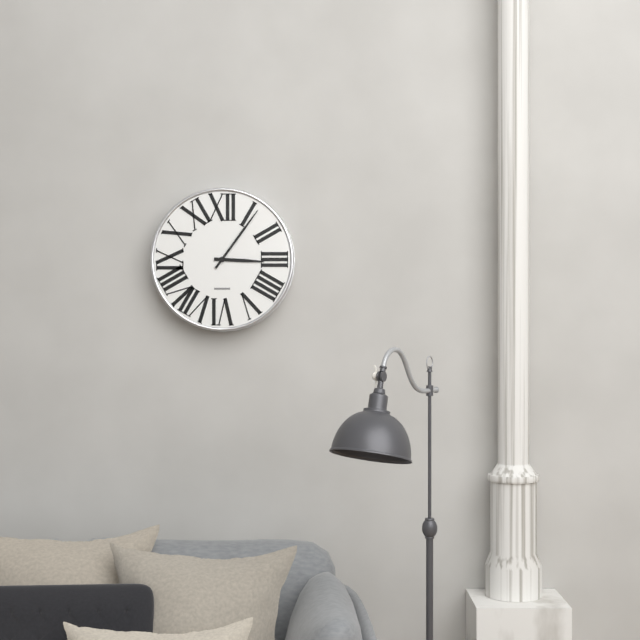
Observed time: 3.06
